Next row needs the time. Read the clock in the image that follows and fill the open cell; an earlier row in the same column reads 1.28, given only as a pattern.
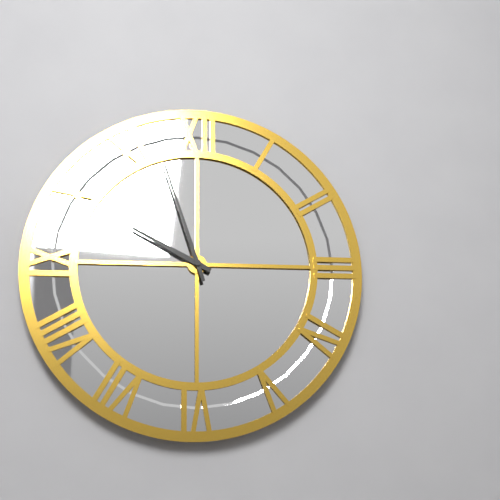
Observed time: 9.57
